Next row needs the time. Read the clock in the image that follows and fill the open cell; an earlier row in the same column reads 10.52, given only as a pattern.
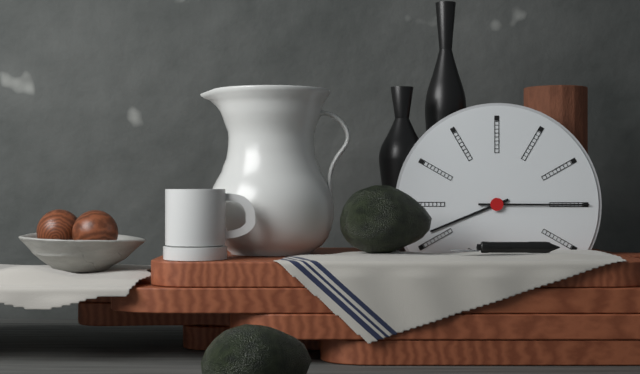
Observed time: 8.15
